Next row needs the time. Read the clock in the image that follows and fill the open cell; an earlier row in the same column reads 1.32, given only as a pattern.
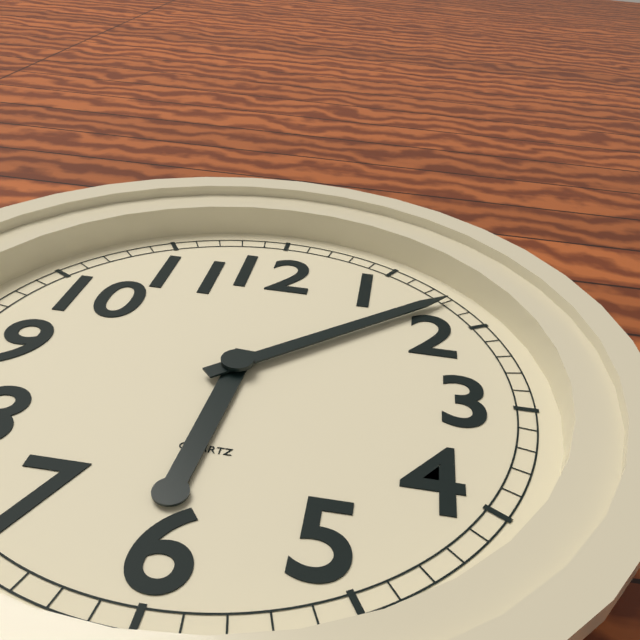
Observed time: 6.08
